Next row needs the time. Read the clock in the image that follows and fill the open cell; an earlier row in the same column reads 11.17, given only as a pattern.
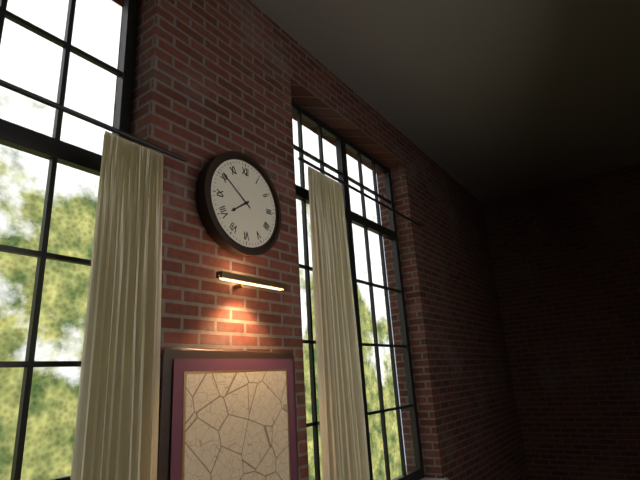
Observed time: 7.51
